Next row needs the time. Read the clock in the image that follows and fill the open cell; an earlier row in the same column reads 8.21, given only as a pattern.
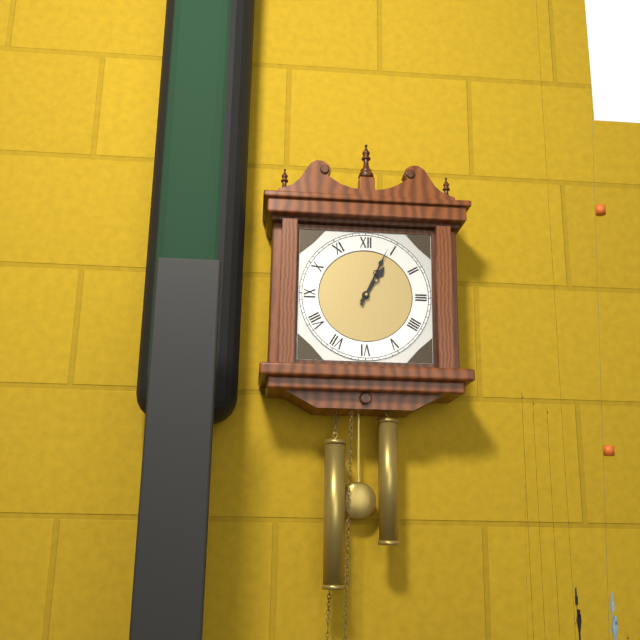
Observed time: 1.04
